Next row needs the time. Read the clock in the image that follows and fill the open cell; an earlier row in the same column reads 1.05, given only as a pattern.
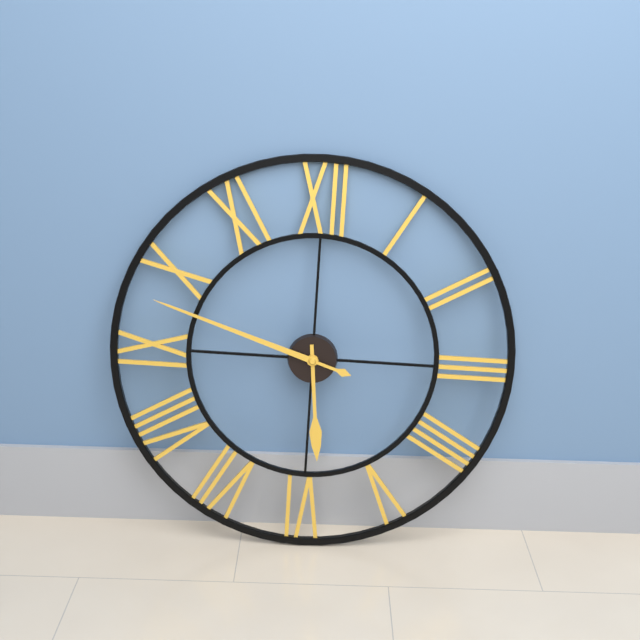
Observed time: 5.48
